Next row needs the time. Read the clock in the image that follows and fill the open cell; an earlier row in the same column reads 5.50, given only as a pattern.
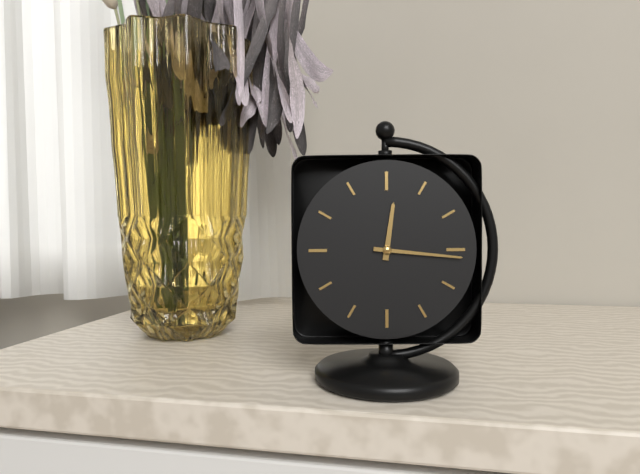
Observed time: 12.16
